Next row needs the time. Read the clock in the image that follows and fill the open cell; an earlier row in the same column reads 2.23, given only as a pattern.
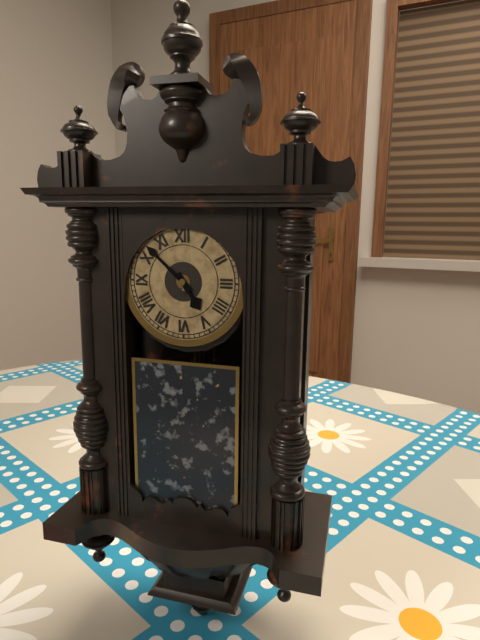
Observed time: 4.52
